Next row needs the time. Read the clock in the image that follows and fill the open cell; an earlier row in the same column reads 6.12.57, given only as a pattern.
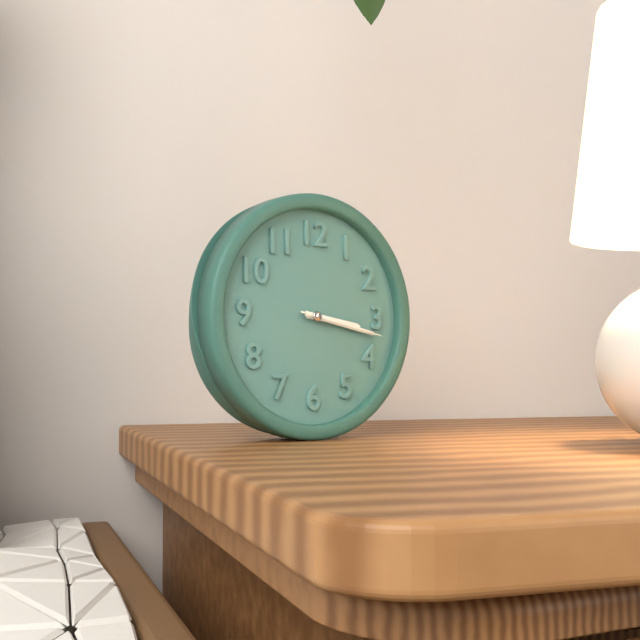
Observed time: 3.17.17
